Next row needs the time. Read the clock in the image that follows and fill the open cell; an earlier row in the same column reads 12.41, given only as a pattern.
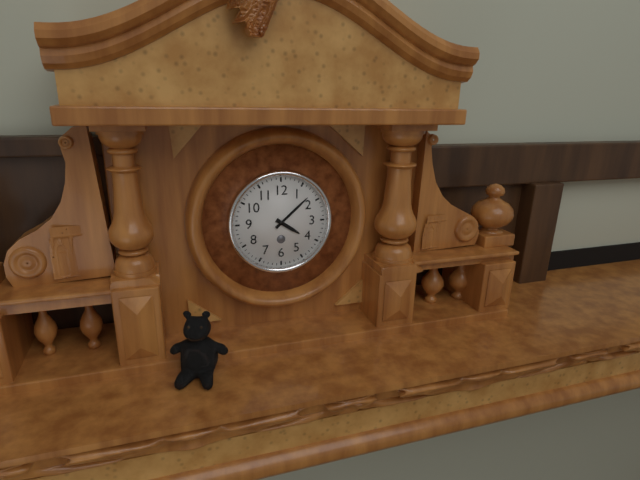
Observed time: 4.08
